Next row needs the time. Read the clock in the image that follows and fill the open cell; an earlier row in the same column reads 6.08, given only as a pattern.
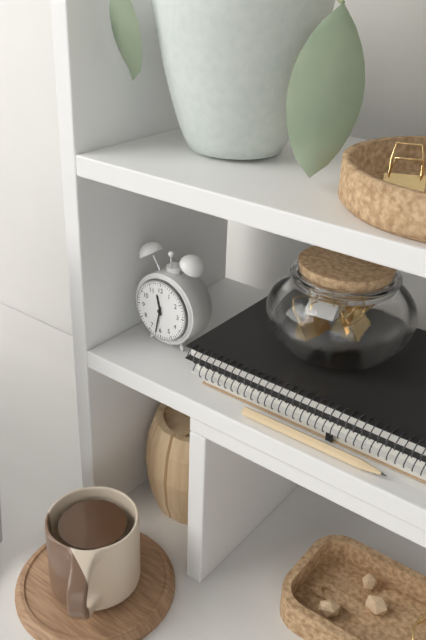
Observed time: 11.32
